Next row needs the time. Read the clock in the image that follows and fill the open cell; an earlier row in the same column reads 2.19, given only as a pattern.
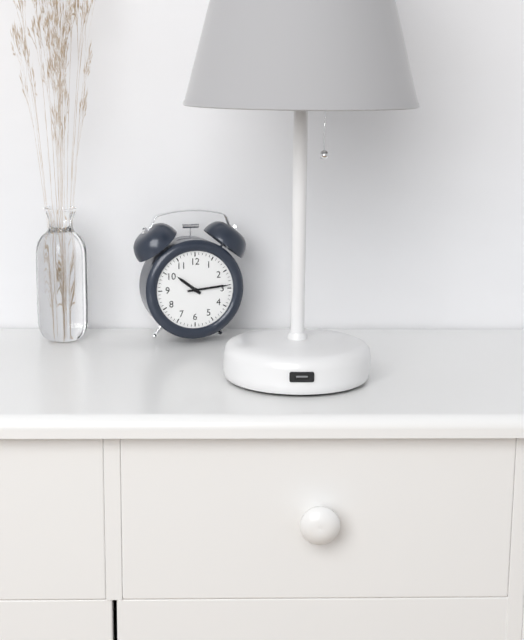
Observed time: 10.14
